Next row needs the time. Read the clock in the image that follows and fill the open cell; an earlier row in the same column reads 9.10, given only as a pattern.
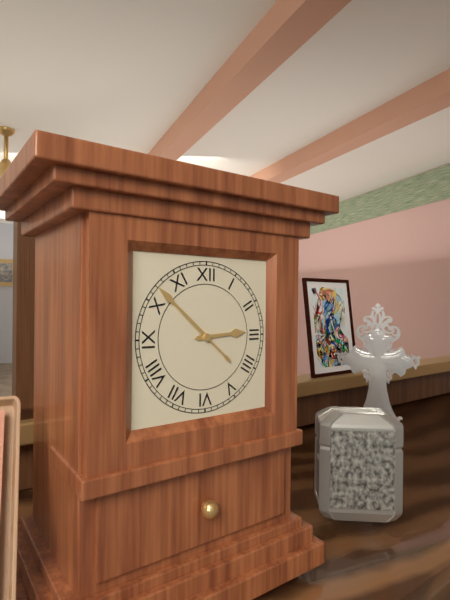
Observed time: 2.52
